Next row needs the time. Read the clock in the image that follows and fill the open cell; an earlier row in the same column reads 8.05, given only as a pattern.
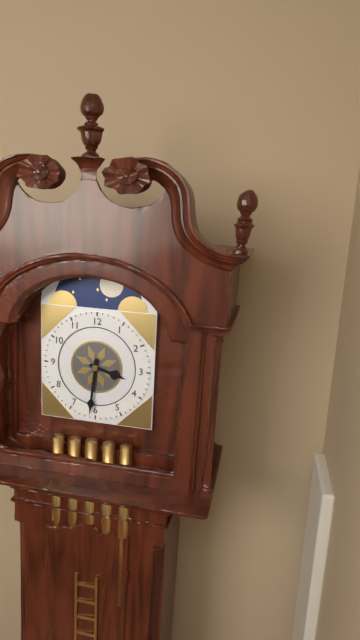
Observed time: 3.31
